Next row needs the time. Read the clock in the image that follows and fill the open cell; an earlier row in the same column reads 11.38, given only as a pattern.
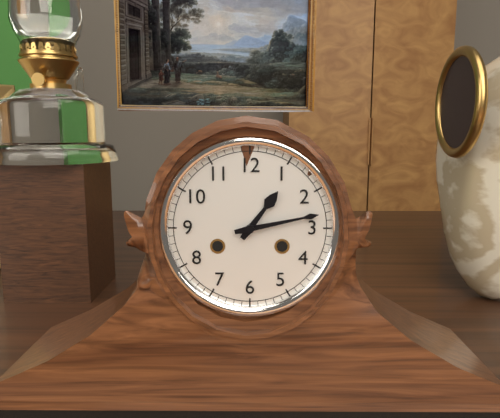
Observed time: 1.13
